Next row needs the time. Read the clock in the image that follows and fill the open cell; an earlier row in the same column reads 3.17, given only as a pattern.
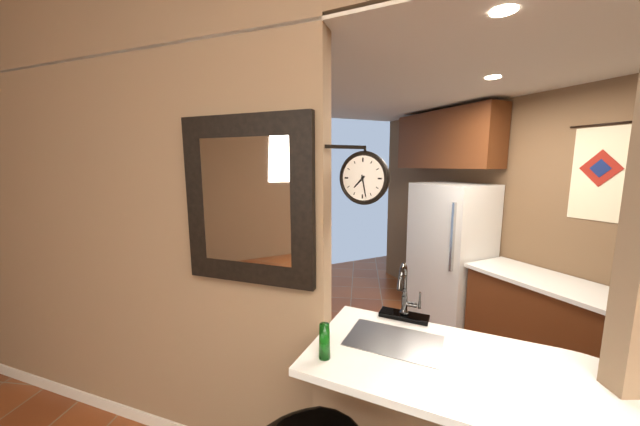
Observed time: 7.28
